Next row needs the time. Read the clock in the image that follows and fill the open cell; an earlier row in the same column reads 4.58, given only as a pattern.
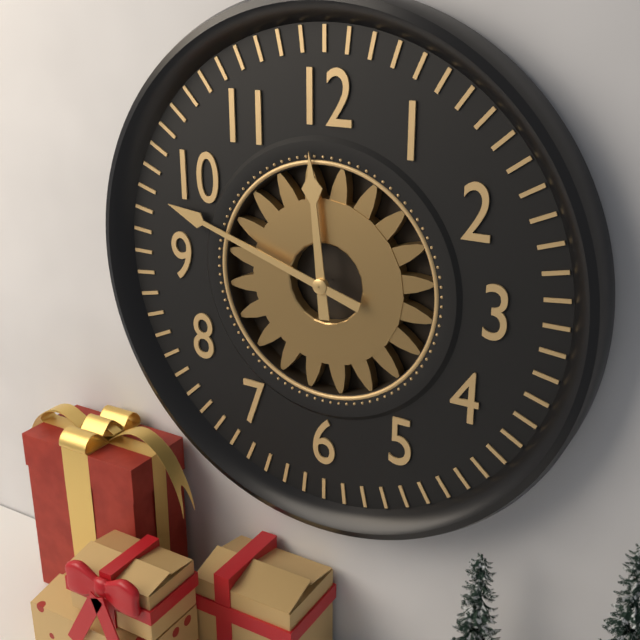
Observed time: 11.48
